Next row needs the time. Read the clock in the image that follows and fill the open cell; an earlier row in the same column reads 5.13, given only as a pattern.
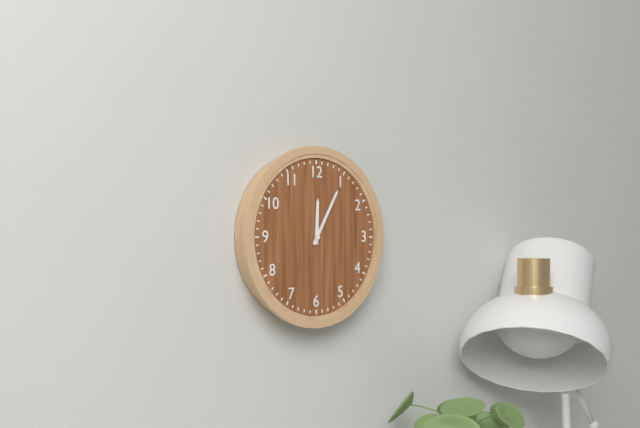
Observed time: 12.05
